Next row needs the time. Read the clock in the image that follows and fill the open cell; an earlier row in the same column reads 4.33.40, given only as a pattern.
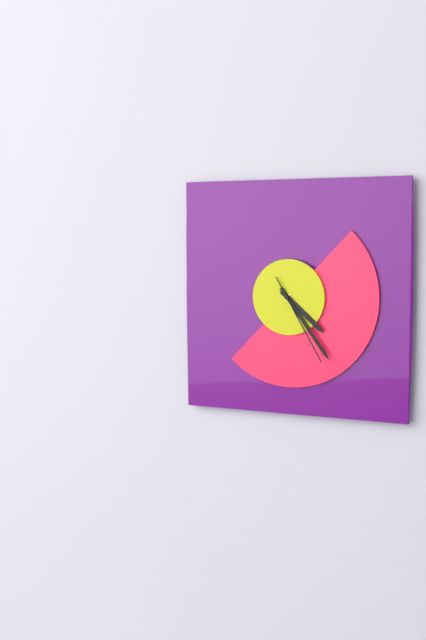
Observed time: 4.24.25
